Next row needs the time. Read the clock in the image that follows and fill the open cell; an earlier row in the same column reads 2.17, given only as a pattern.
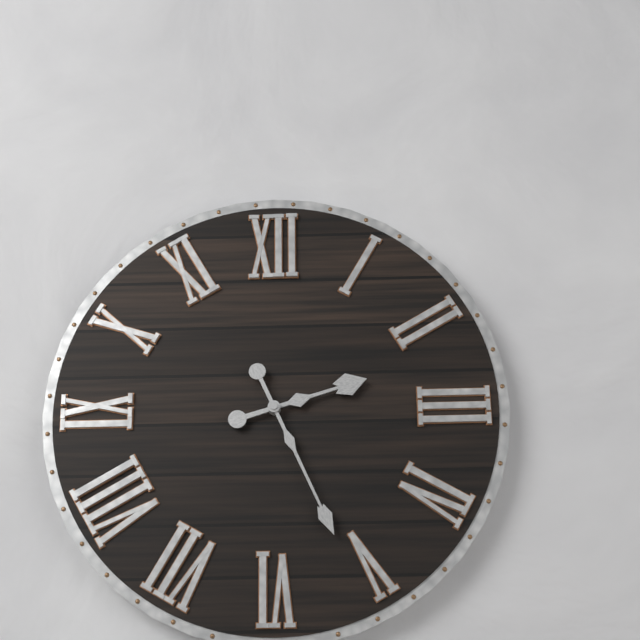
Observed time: 2.26
